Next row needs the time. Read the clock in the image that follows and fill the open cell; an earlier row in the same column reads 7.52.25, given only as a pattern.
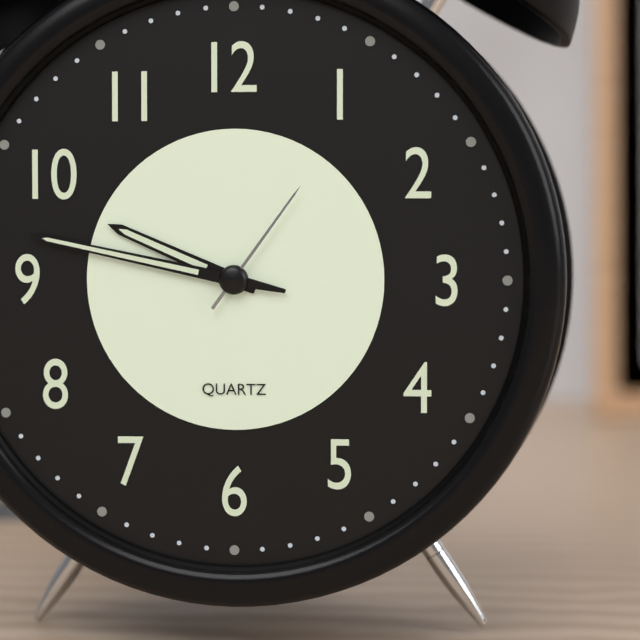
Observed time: 9.47.06
